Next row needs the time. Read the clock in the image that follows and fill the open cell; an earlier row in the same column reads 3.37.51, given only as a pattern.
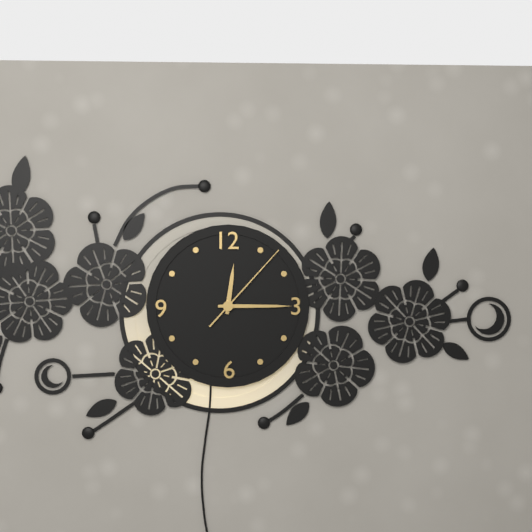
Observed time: 12.15.07
